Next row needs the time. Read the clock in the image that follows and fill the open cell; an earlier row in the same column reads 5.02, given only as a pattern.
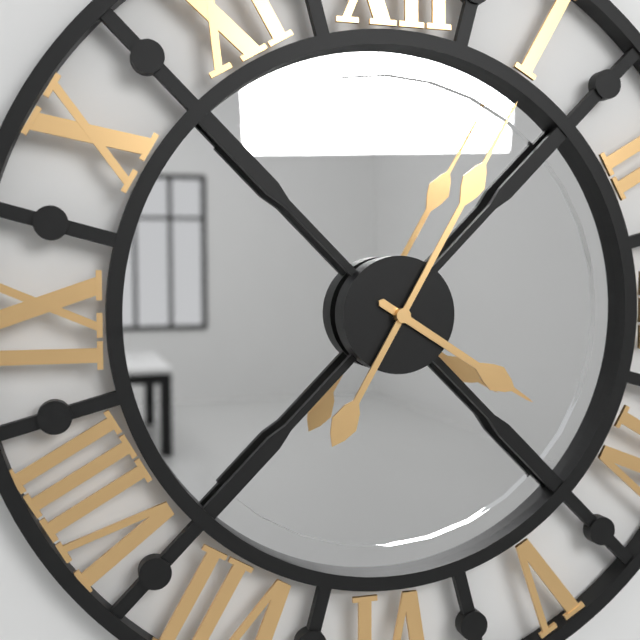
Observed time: 4.05
